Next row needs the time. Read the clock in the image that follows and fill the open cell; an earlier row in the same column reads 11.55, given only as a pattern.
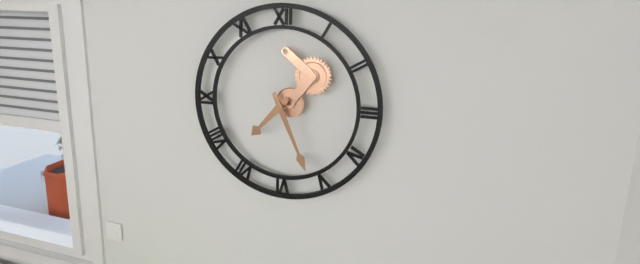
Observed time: 7.26
